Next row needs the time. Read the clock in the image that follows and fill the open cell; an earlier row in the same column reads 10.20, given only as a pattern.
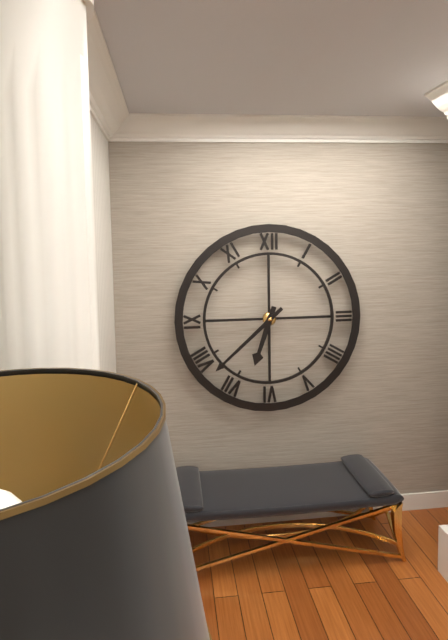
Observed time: 6.38
